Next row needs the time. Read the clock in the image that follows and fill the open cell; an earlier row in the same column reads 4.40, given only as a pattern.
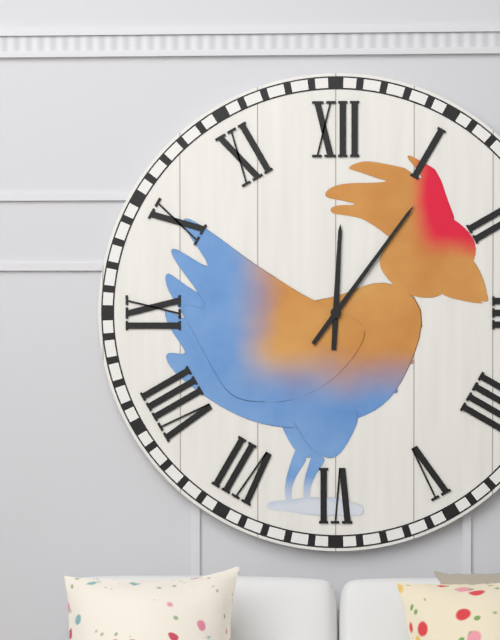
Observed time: 12.06
